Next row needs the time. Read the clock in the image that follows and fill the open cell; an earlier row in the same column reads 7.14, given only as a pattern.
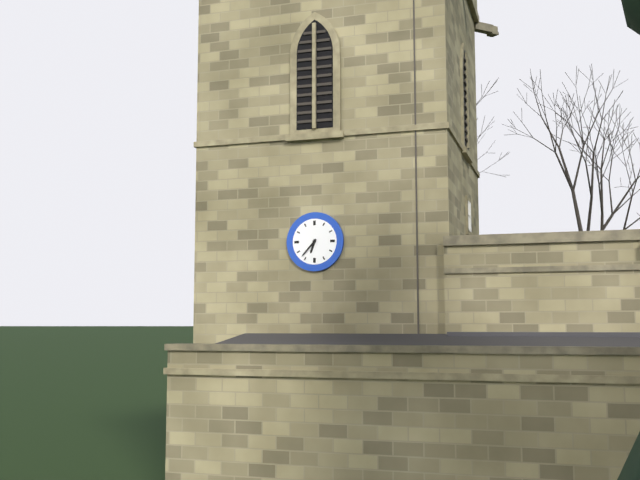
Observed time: 6.37
